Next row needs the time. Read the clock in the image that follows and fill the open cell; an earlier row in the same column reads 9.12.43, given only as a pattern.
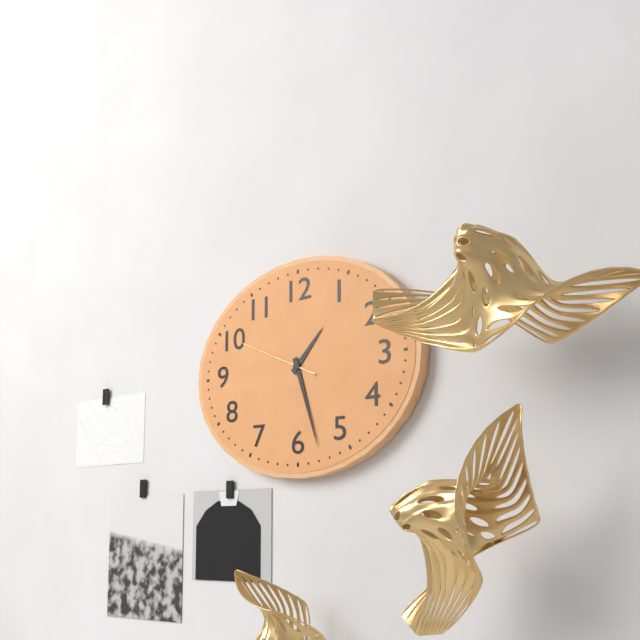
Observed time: 1.27.49
